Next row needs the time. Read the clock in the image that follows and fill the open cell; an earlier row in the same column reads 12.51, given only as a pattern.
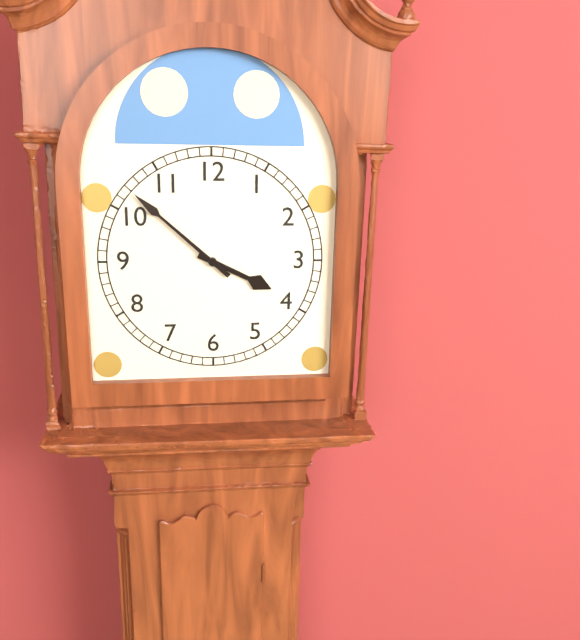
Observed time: 3.52
